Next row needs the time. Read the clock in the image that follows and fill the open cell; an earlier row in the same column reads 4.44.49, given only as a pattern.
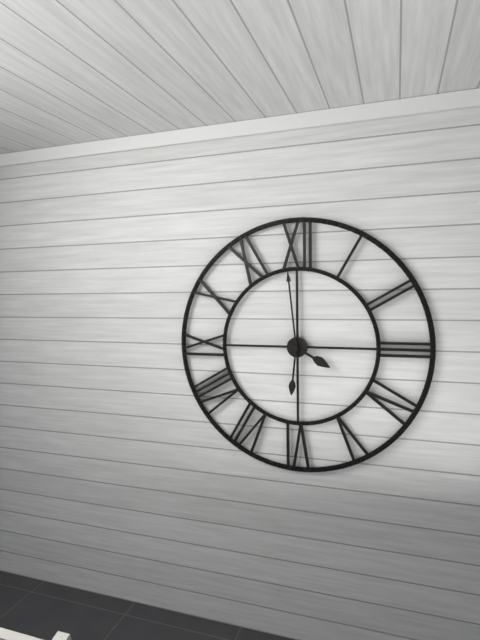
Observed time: 3.59.31
